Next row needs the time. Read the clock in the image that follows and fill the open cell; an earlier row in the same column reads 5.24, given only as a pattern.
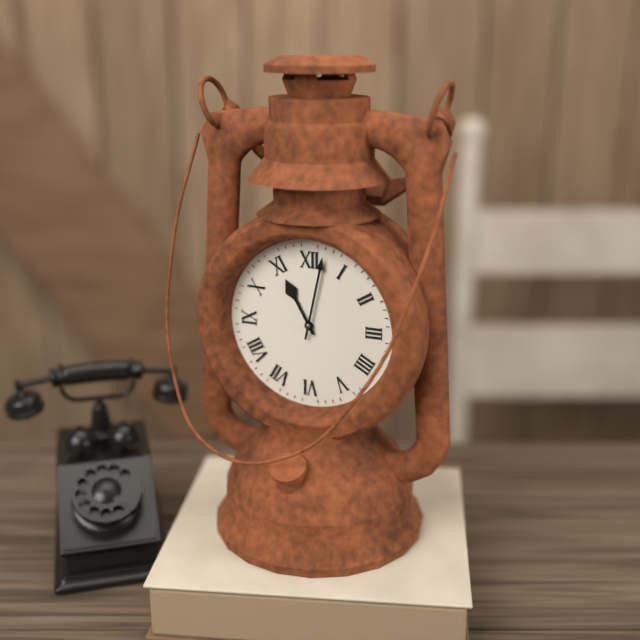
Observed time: 11.02
